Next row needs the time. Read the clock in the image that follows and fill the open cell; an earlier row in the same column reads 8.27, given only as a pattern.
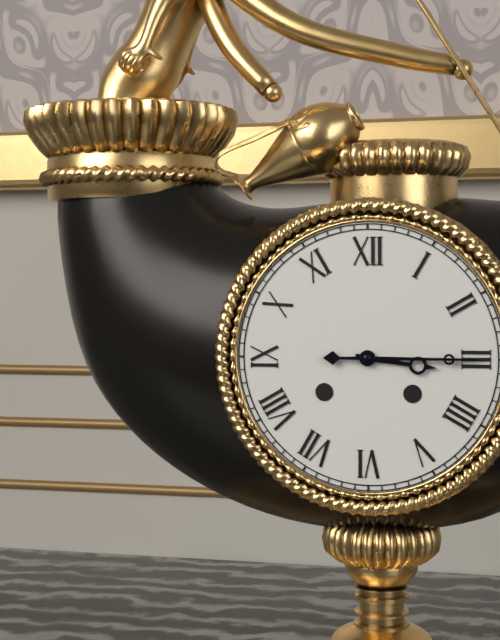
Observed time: 3.15
